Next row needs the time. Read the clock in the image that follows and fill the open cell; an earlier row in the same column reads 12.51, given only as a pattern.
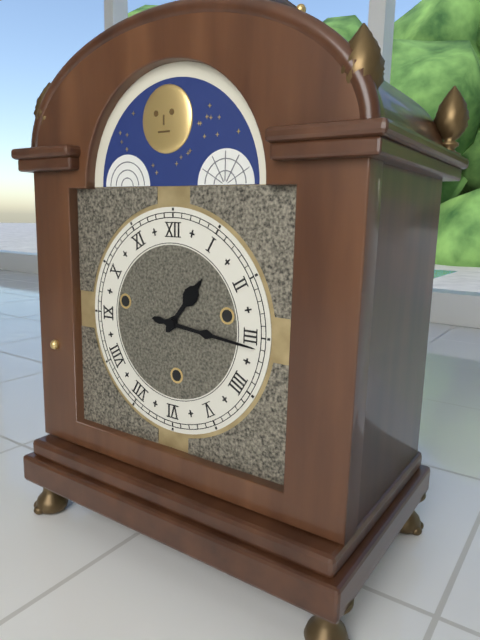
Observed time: 1.16
